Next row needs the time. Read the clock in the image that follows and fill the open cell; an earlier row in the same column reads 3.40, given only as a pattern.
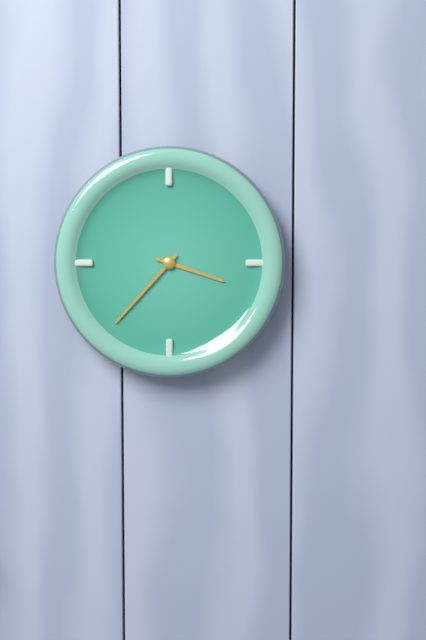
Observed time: 3.37
